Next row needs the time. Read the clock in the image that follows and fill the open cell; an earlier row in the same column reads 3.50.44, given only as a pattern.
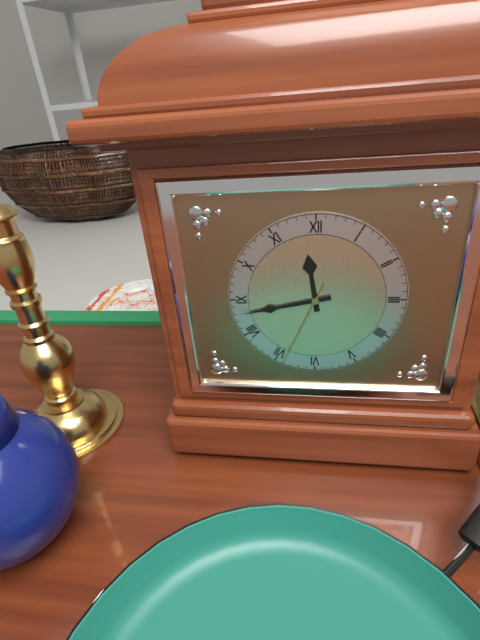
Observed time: 11.43.34
